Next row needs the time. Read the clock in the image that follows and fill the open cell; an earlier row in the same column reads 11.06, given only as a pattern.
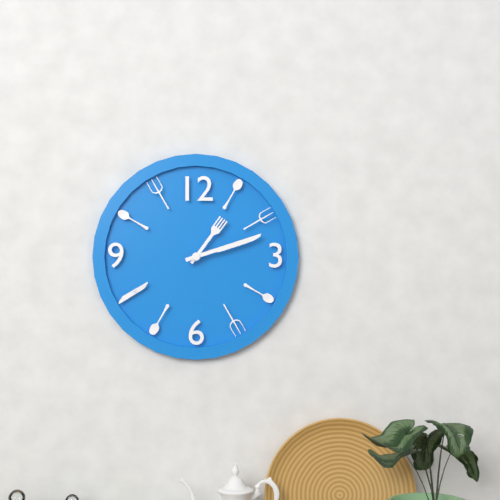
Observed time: 1.12
